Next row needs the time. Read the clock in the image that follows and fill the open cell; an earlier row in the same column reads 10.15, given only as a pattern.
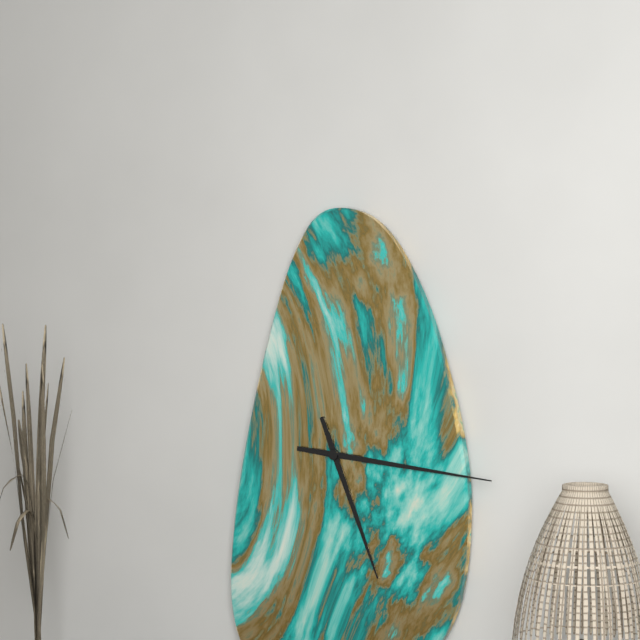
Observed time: 5.16
